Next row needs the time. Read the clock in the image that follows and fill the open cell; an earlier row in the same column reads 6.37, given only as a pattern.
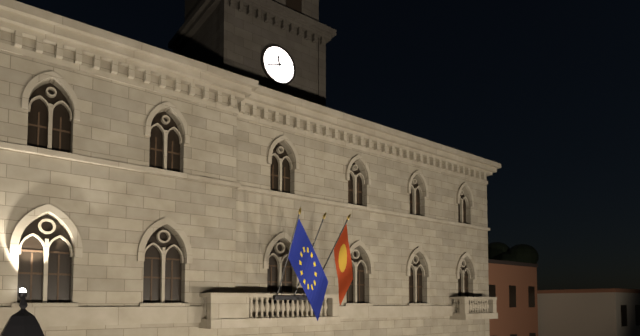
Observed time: 11.42
